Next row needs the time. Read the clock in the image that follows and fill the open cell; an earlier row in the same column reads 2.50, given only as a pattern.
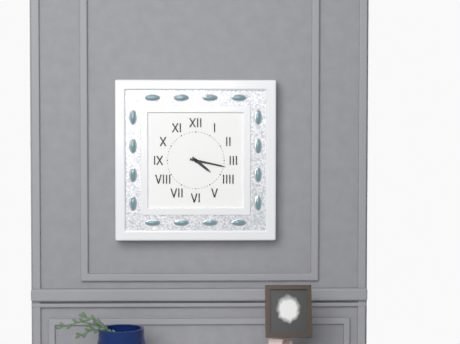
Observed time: 4.17
